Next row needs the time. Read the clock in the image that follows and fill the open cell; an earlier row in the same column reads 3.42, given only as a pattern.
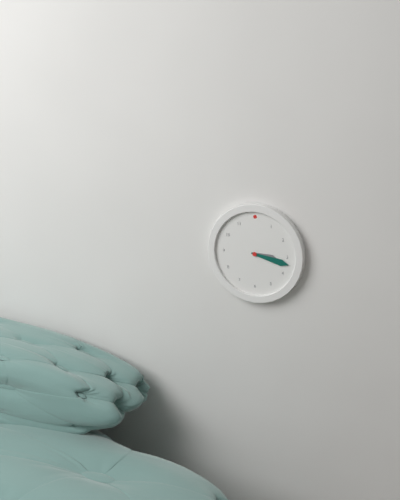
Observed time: 3.17
